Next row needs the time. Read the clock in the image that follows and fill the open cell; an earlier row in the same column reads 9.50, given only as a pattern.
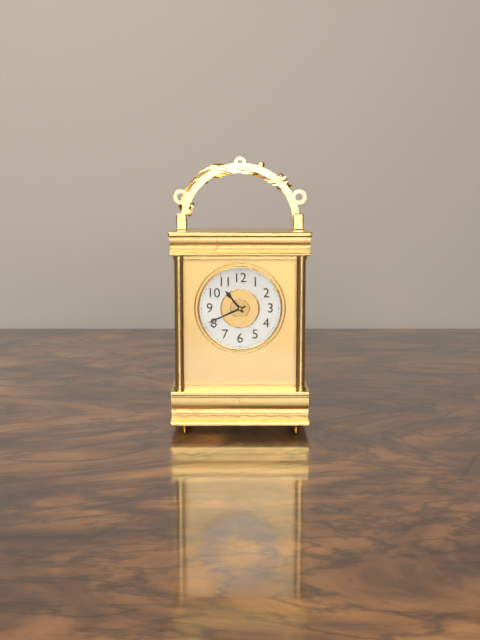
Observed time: 10.41
